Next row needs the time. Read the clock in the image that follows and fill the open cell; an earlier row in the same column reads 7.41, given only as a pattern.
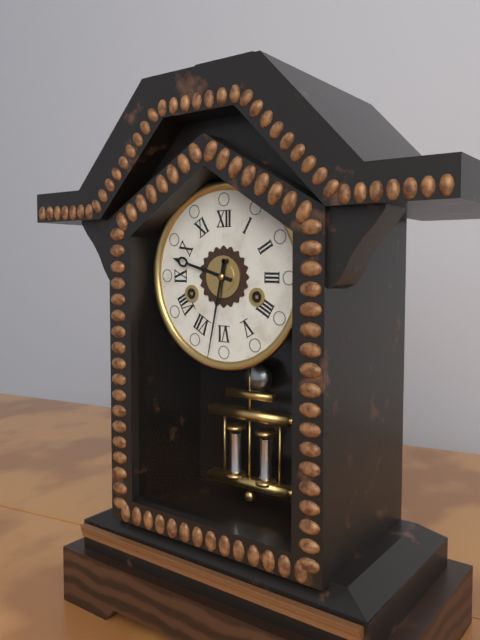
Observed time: 9.32
